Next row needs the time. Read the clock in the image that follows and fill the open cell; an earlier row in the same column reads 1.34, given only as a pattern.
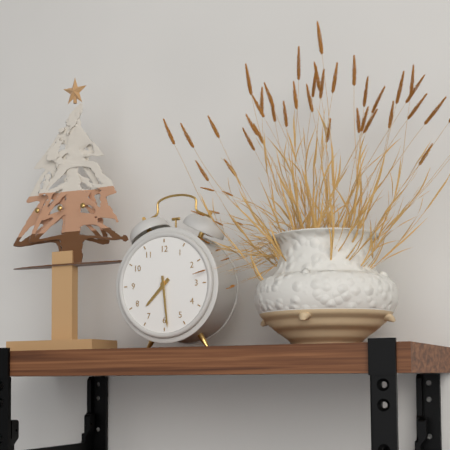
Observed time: 7.29
